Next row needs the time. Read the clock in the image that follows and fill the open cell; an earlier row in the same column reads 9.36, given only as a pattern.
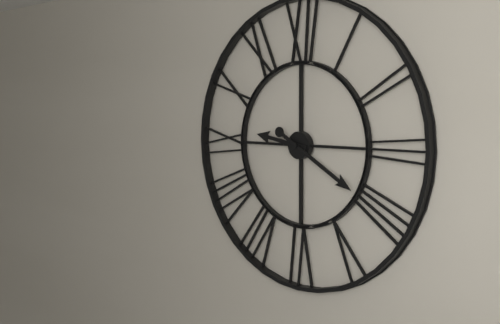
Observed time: 9.20
